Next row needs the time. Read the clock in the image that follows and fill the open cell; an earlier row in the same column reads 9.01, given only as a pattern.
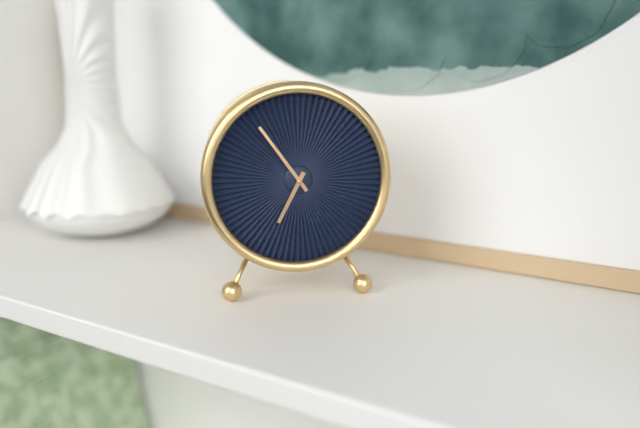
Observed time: 6.54
